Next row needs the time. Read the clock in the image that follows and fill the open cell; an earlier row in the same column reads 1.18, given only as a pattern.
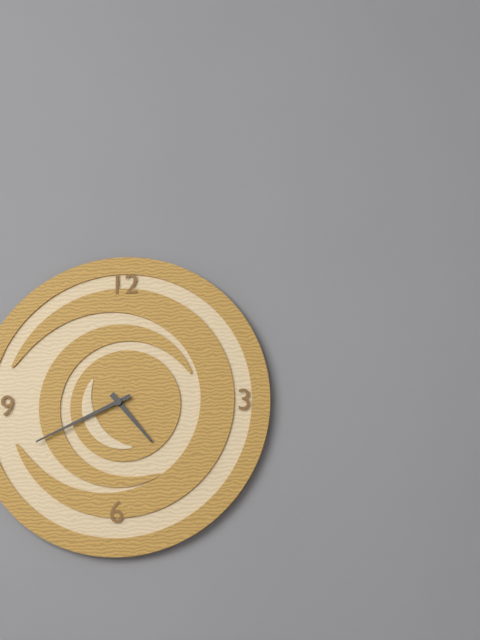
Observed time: 4.41
